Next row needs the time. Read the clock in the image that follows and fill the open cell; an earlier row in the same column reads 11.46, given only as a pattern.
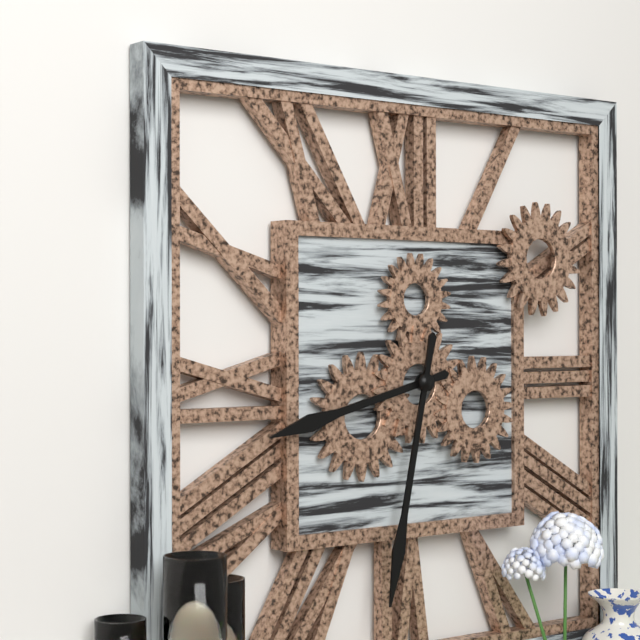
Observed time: 8.32
